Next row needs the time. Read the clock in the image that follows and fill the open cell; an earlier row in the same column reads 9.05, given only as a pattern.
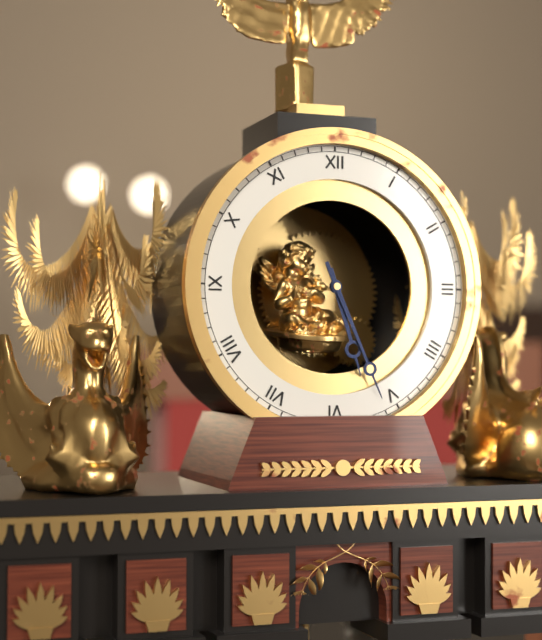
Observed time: 5.26
